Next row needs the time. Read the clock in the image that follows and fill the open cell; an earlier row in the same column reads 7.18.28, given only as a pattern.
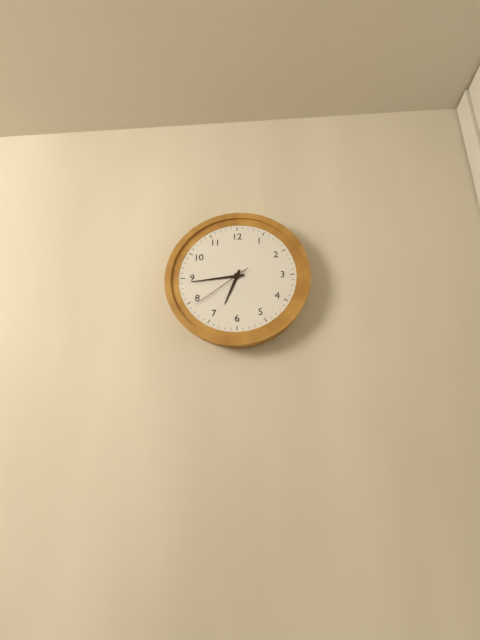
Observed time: 6.44.39
